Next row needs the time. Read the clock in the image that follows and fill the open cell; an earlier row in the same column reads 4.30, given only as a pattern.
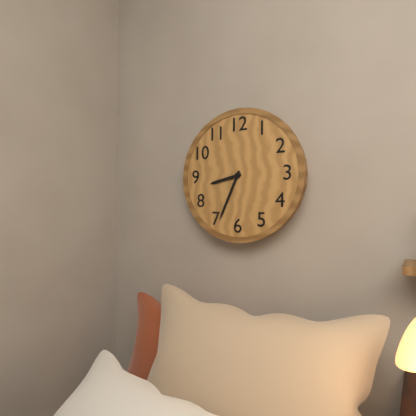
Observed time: 8.34
